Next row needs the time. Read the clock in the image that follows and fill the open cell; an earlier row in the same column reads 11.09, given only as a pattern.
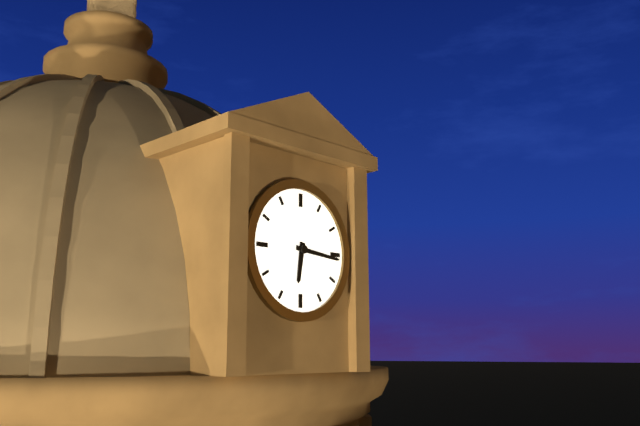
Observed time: 6.16
